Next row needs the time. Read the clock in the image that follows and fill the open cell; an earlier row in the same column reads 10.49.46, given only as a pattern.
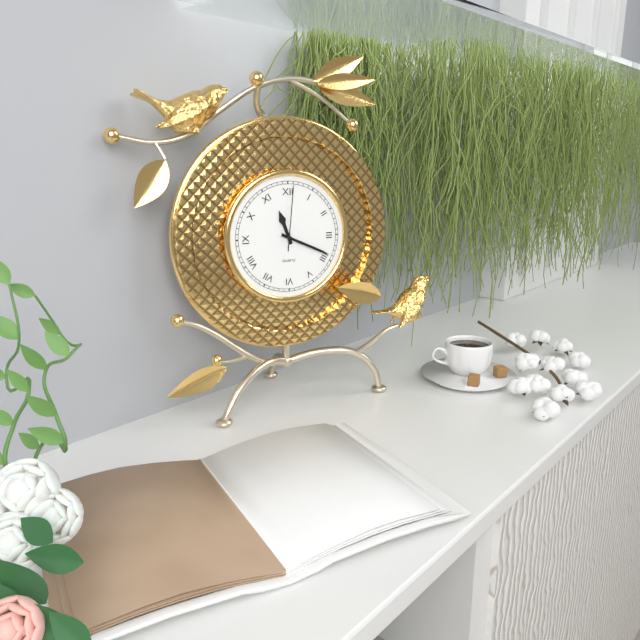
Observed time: 11.19.01
